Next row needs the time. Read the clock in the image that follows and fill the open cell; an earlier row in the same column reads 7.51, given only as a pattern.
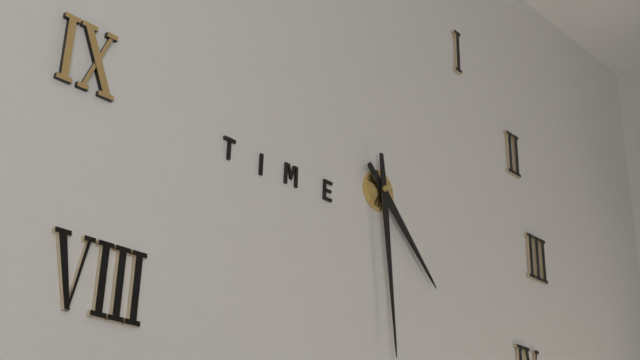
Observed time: 4.29
